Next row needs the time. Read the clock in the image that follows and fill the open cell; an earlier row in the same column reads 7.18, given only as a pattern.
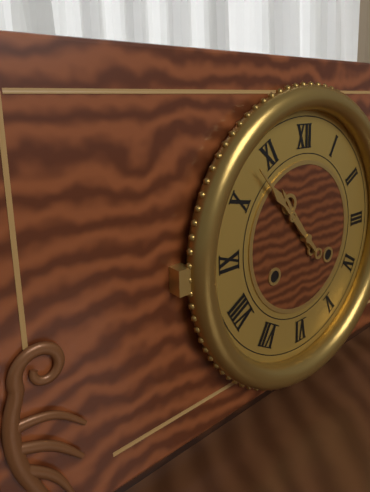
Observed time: 10.53
